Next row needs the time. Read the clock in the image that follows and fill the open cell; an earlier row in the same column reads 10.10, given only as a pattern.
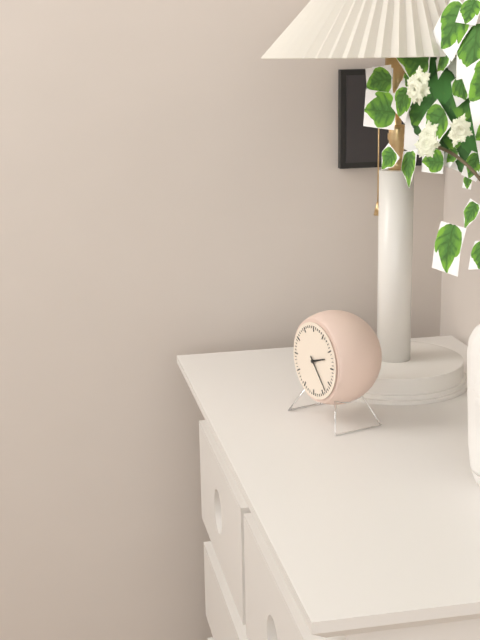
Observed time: 2.23
